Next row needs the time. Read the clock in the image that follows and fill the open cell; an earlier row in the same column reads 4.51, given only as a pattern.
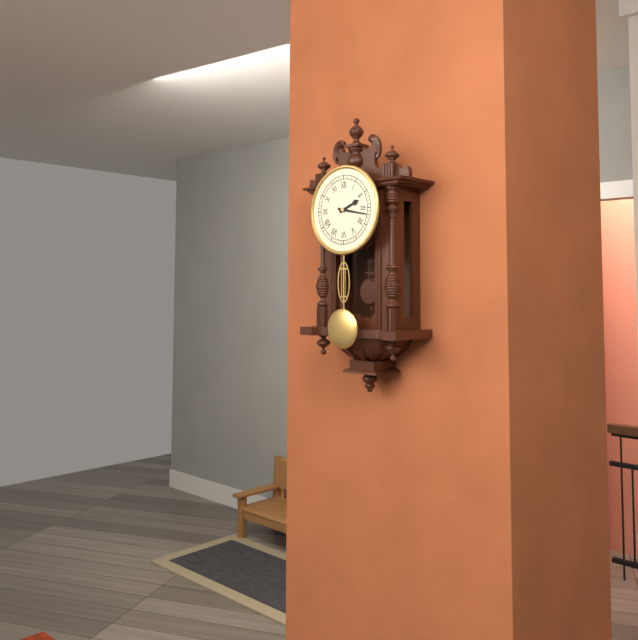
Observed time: 2.17
